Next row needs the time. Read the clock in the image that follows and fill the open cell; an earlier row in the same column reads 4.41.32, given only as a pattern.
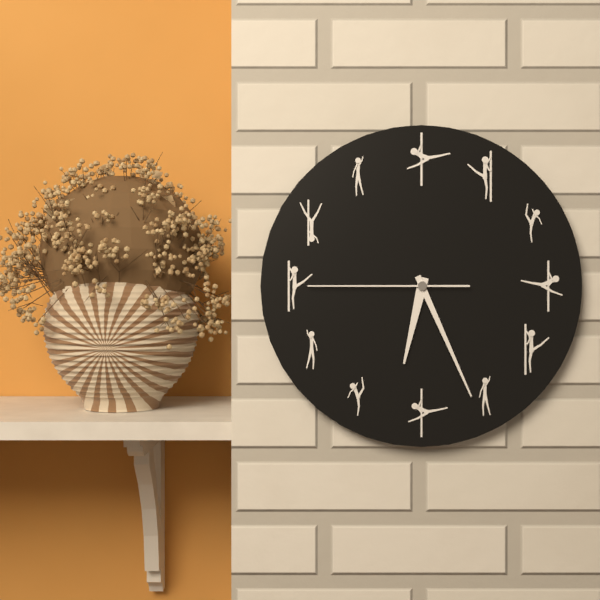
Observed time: 6.26.45
